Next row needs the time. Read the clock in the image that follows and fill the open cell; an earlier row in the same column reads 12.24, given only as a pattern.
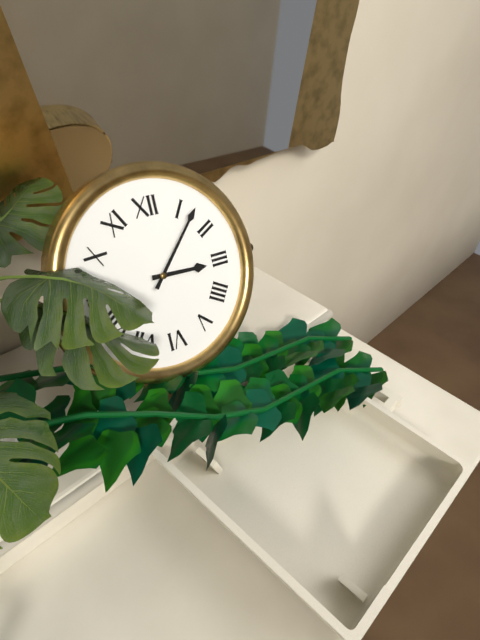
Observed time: 3.07
